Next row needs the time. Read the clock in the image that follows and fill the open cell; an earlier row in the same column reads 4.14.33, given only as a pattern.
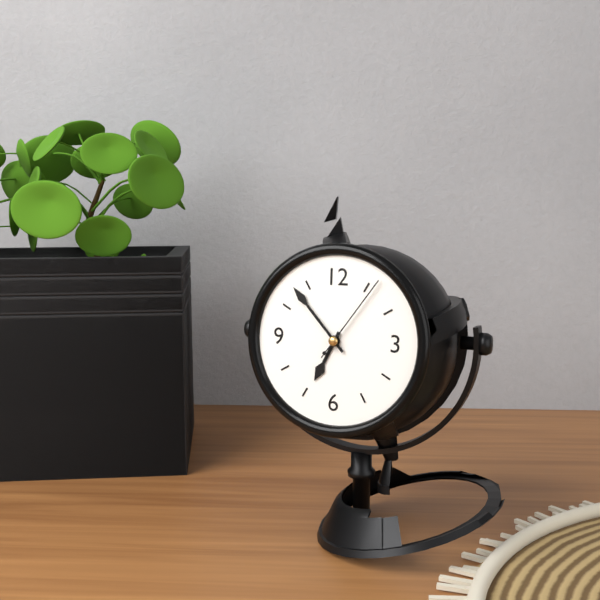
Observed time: 6.53.06
